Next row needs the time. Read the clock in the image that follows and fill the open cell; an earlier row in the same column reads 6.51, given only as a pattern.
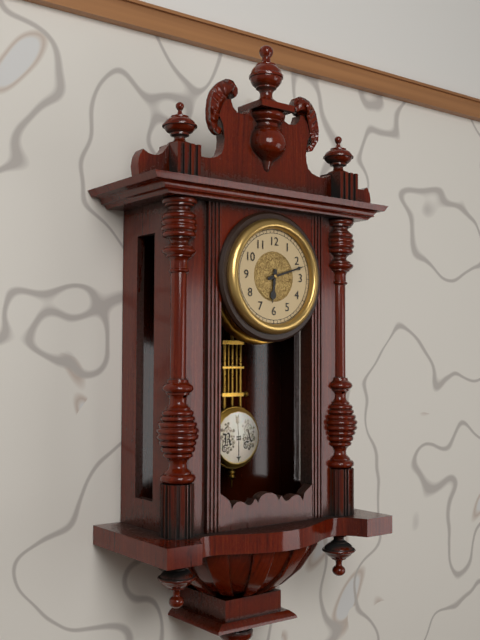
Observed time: 6.12
